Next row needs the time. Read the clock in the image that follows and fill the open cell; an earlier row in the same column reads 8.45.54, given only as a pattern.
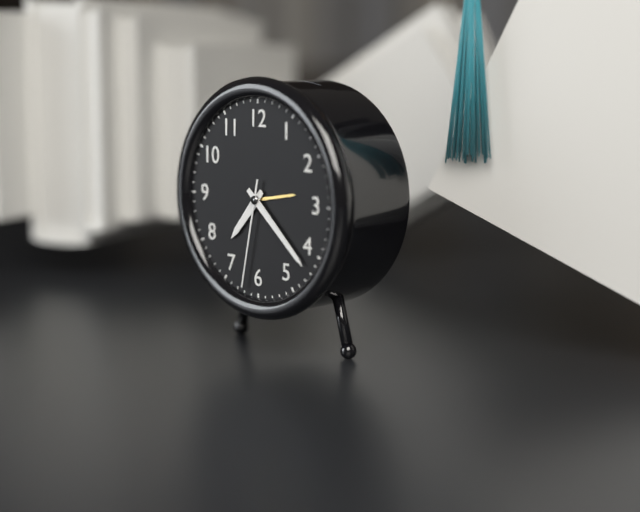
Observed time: 7.22.32
